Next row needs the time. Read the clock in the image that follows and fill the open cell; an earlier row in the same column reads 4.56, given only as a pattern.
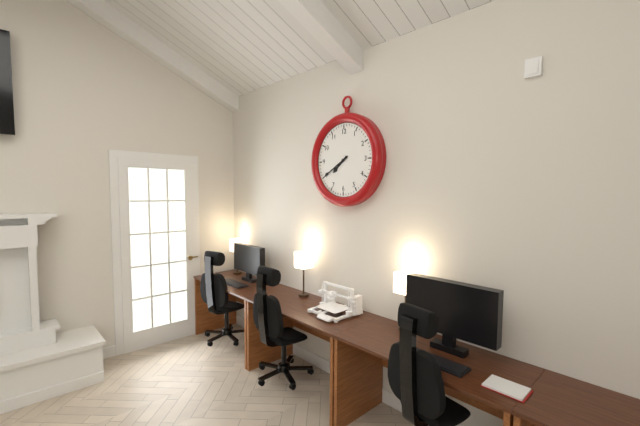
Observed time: 7.40
